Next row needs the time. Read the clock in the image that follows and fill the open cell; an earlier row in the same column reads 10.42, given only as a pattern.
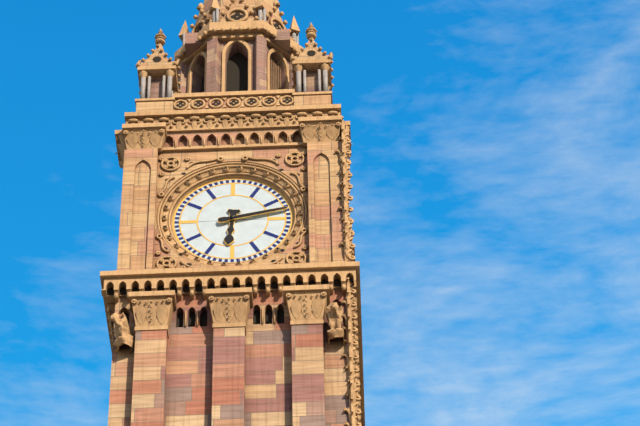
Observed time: 6.13
